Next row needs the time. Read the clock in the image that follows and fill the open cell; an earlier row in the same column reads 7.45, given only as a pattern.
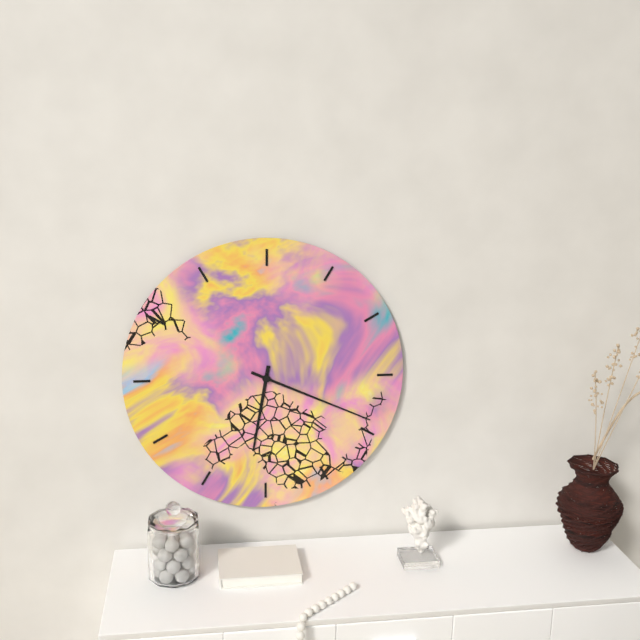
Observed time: 6.19
